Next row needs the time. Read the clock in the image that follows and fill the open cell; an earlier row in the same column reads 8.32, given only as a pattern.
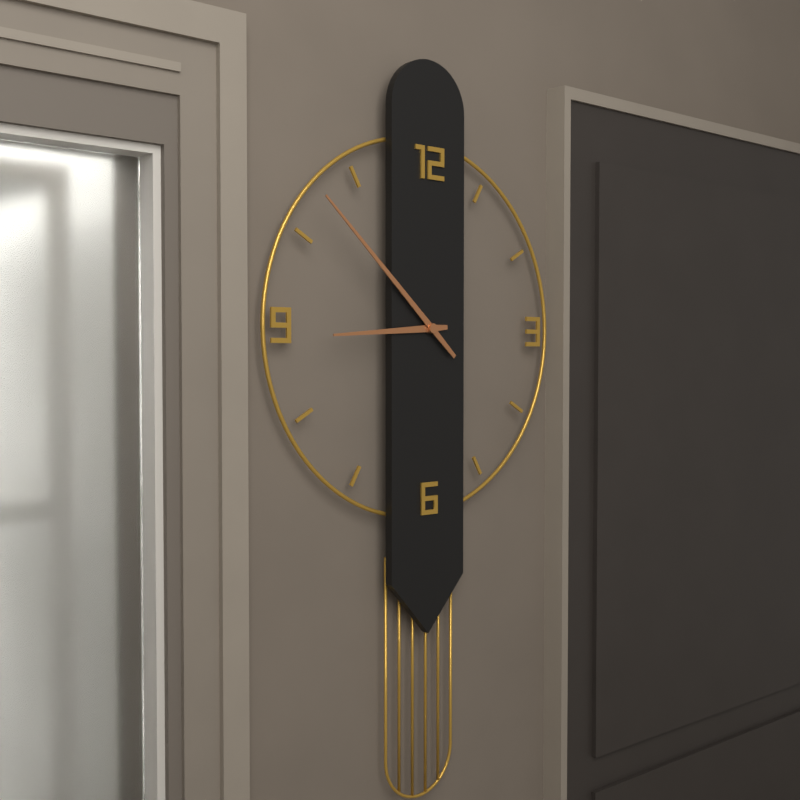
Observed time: 8.52
